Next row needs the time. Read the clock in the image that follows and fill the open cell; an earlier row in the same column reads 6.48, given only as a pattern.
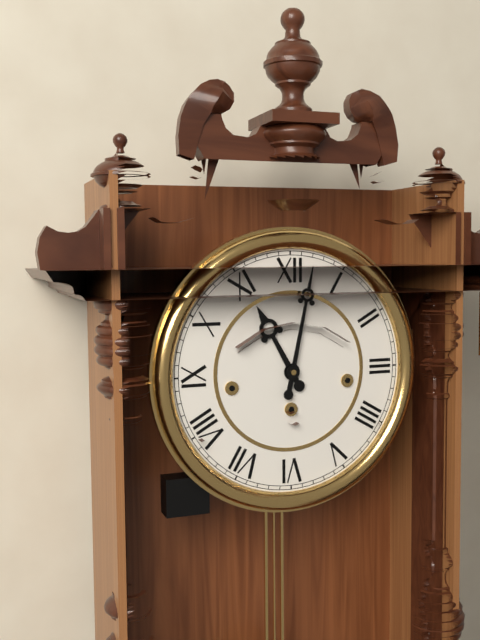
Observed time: 11.02
